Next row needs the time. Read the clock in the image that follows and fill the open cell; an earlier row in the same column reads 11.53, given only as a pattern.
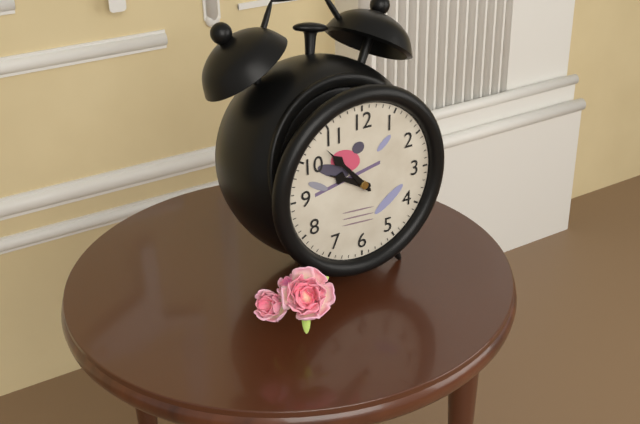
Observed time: 9.53
